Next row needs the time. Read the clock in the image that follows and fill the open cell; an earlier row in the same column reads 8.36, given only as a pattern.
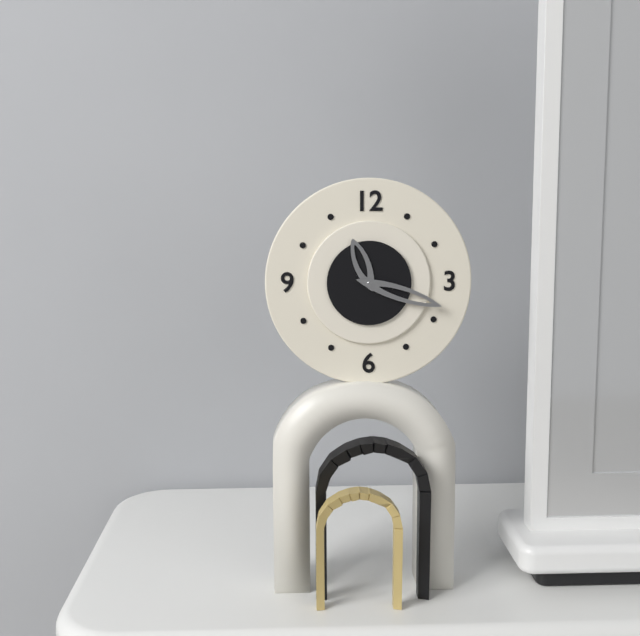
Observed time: 11.18
